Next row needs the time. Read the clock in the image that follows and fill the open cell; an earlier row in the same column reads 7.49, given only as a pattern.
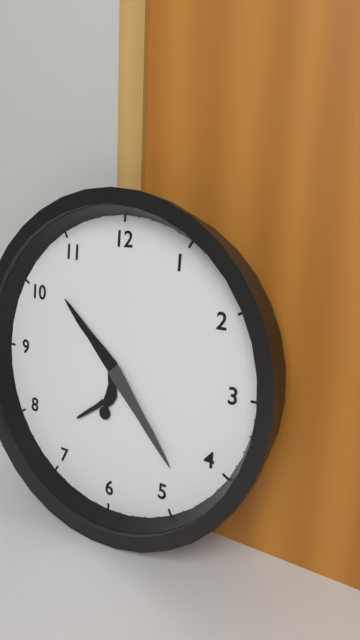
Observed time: 10.23
